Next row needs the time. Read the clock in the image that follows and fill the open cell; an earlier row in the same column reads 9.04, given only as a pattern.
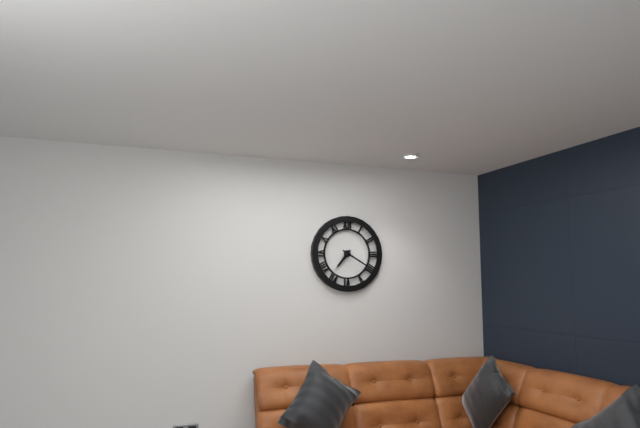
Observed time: 7.20
